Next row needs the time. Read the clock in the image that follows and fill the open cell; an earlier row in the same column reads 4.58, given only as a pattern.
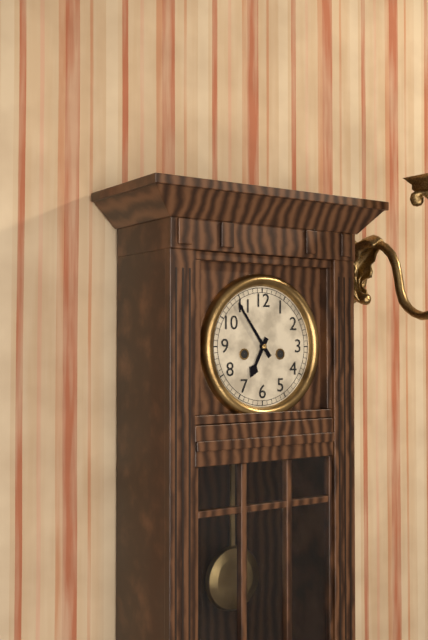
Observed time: 6.54
